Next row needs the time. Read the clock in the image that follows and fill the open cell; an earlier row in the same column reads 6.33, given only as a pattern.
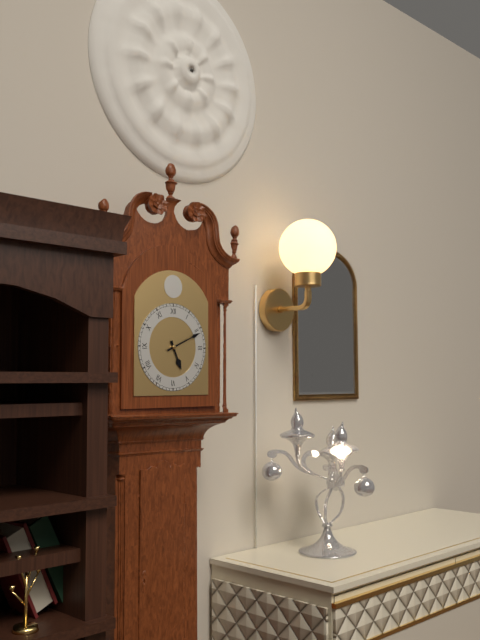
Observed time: 5.11
